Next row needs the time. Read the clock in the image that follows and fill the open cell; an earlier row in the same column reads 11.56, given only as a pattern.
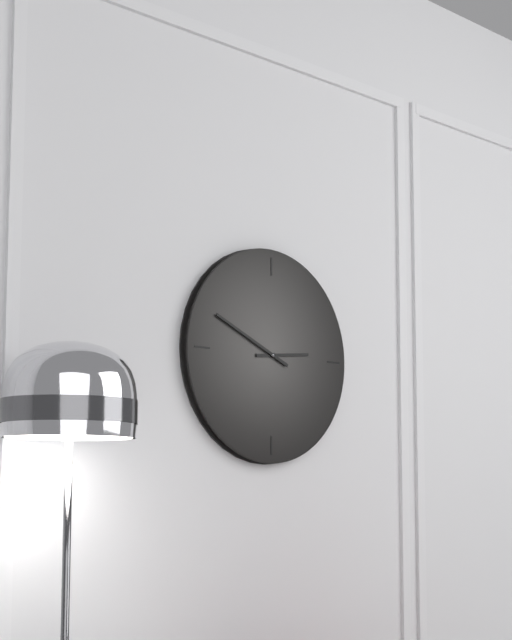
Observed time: 2.49
